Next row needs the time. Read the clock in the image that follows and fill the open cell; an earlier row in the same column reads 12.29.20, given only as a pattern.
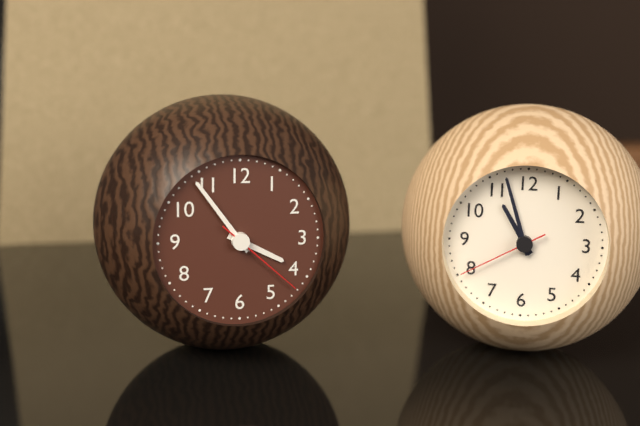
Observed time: 3.54.22
